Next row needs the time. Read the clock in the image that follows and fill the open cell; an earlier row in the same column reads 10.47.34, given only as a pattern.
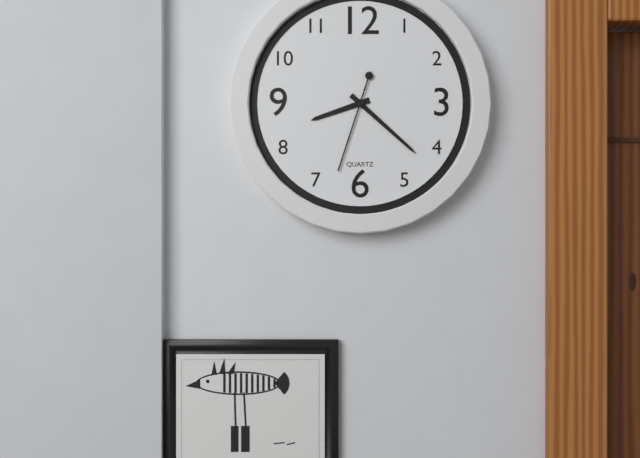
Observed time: 8.22.33
